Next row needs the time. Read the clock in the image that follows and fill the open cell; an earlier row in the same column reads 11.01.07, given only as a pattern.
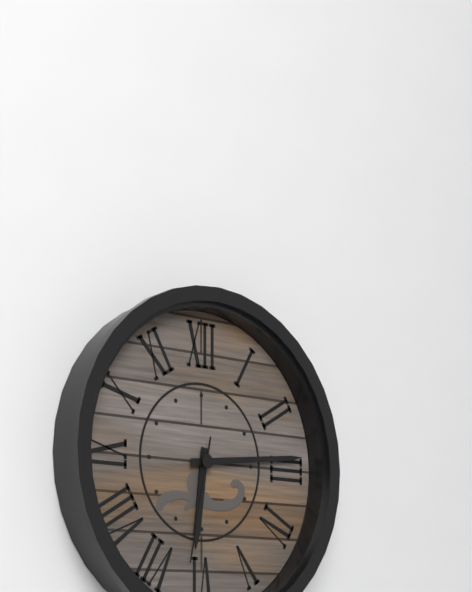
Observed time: 6.14.32
